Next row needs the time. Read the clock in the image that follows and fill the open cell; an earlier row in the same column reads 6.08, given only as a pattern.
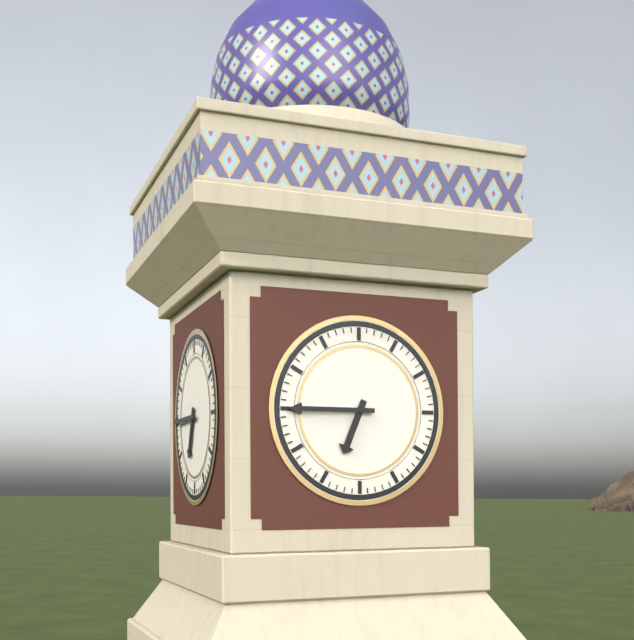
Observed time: 6.45
